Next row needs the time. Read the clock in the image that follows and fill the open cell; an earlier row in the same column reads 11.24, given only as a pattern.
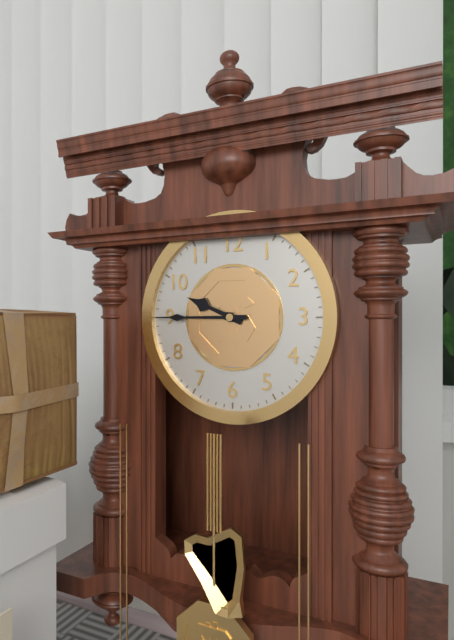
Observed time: 9.45
